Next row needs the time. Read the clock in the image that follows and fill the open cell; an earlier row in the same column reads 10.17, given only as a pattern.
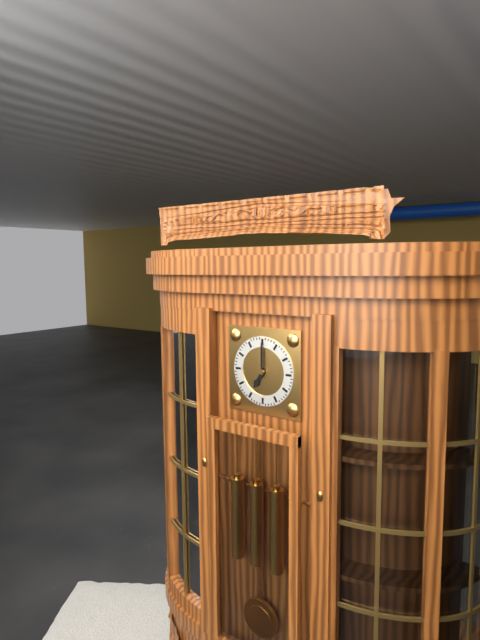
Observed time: 7.00
